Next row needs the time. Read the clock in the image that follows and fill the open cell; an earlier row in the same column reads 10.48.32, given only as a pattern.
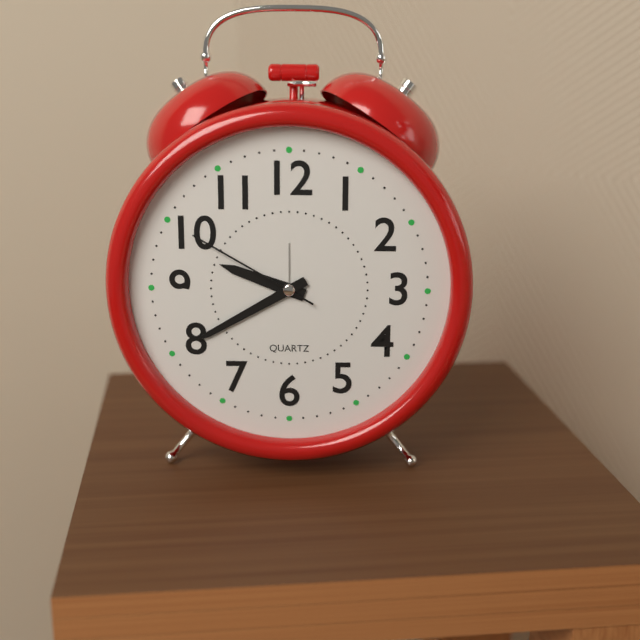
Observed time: 9.40.50
